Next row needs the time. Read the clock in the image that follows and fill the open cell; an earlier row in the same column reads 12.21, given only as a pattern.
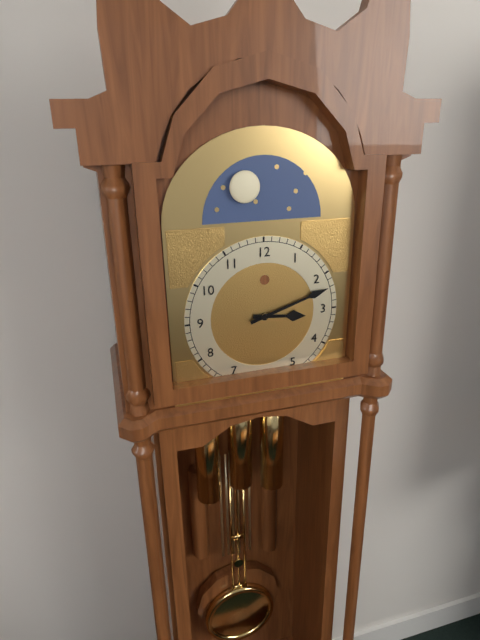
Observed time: 3.12
